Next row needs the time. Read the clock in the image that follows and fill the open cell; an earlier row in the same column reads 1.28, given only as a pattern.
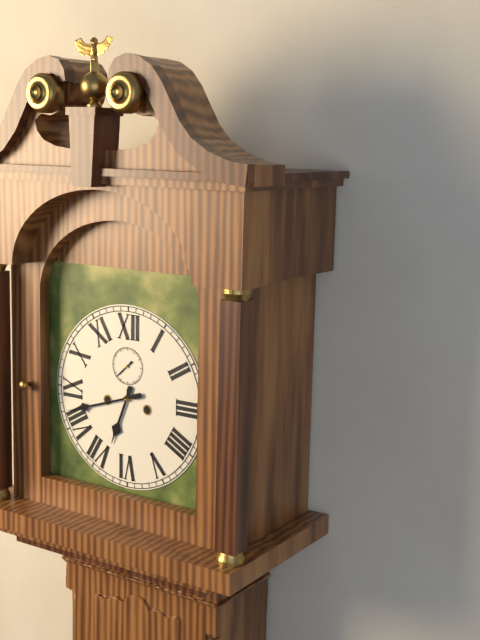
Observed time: 6.42
